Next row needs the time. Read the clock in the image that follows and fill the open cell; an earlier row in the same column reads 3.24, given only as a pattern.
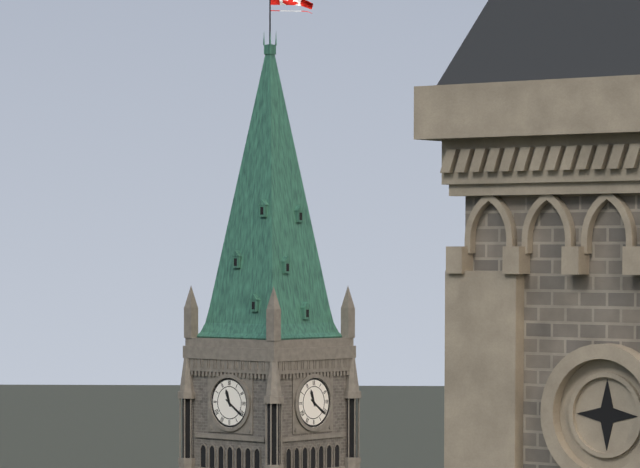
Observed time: 11.21
